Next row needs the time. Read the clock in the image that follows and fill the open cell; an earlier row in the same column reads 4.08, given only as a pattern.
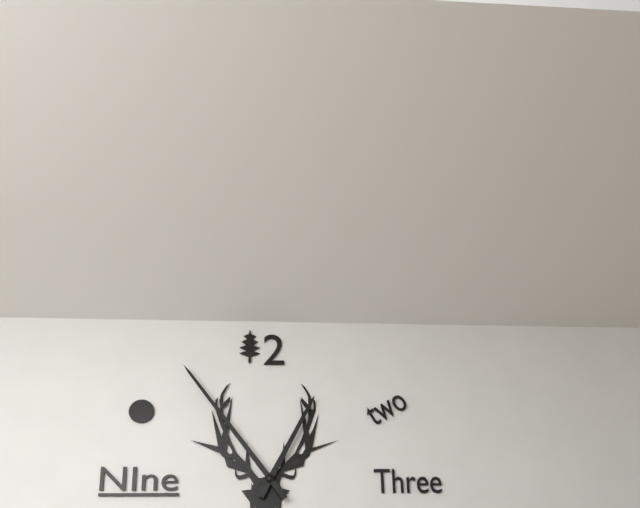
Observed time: 12.54
